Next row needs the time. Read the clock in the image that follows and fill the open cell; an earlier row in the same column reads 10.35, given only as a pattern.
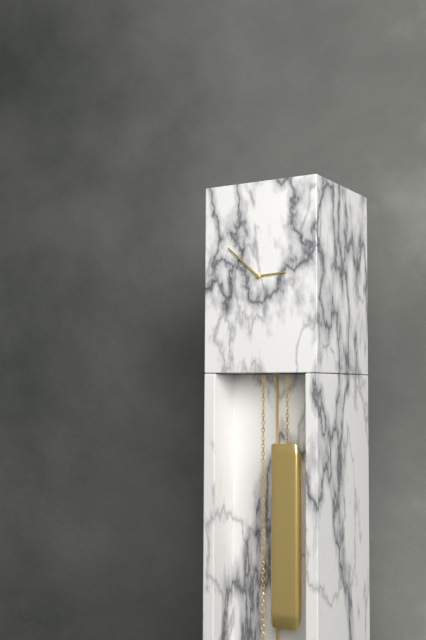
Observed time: 2.52
